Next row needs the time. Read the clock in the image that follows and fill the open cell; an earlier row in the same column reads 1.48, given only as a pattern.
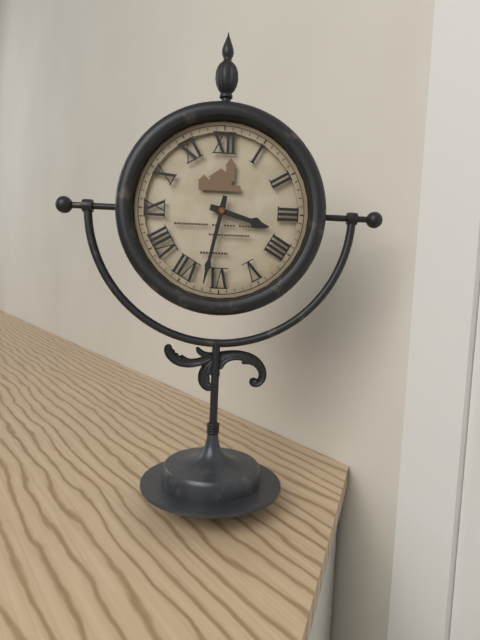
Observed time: 3.32
